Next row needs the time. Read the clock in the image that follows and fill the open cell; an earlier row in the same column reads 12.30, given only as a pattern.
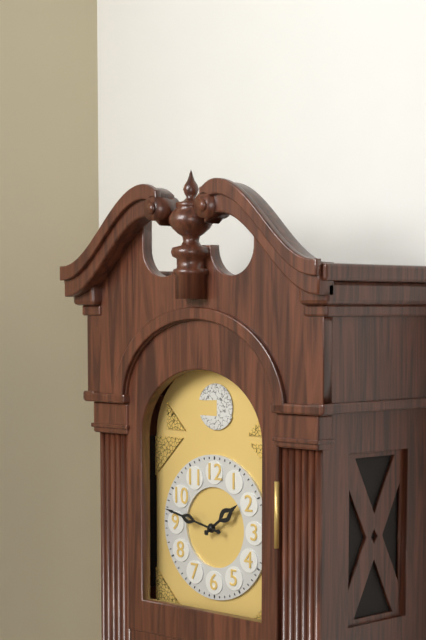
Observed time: 1.47
